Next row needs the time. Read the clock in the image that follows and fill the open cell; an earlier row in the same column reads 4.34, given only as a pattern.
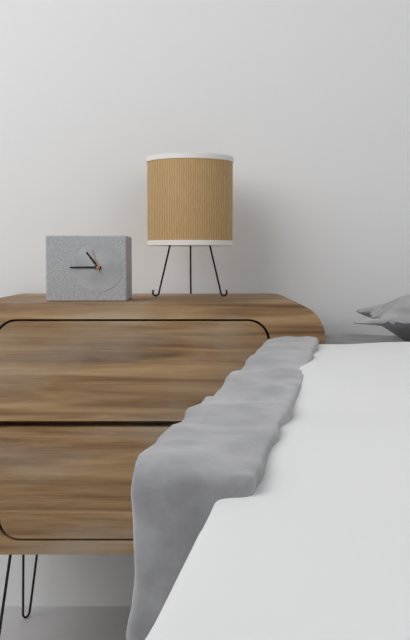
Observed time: 10.45
